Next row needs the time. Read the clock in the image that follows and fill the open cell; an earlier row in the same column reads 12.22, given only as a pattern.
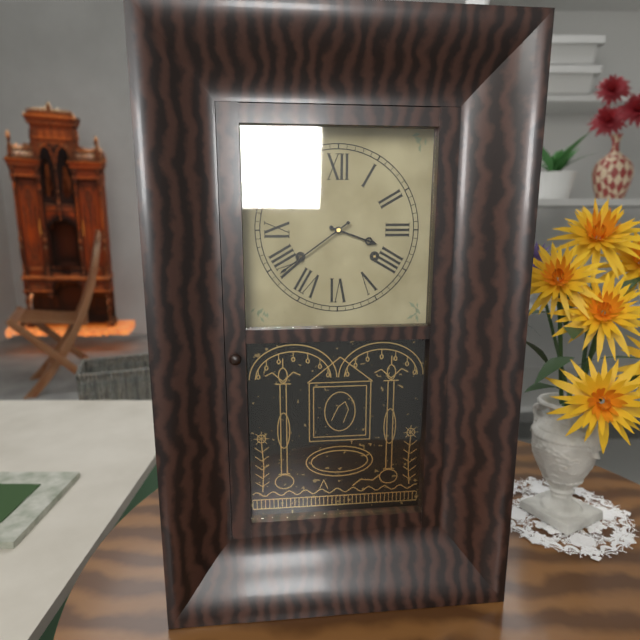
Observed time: 3.39
